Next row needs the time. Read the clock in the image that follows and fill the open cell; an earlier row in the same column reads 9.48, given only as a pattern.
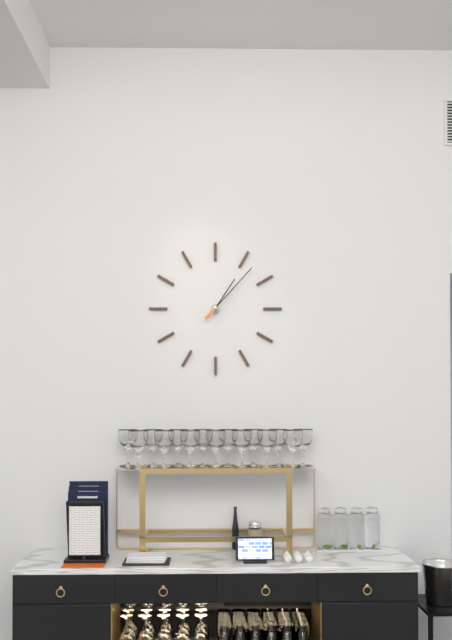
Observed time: 1.07
